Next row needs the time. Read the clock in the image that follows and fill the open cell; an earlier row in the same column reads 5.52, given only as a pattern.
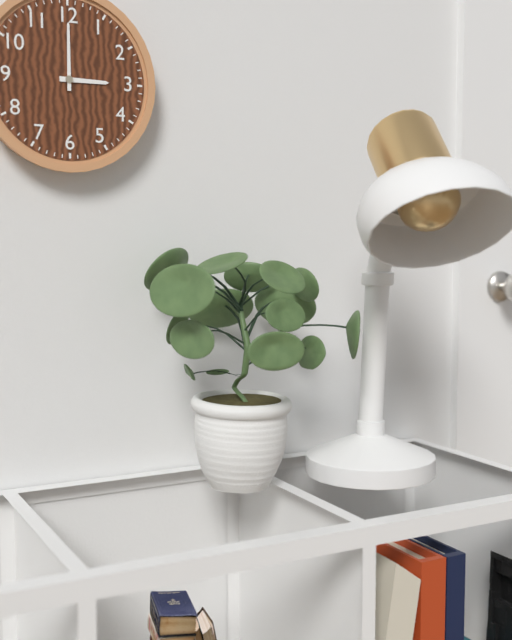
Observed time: 3.00
